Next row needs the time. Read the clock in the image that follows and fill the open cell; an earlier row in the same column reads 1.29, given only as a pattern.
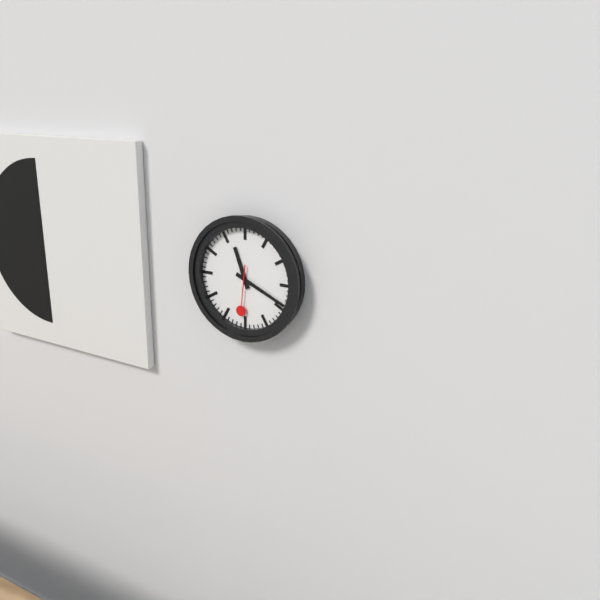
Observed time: 11.19
